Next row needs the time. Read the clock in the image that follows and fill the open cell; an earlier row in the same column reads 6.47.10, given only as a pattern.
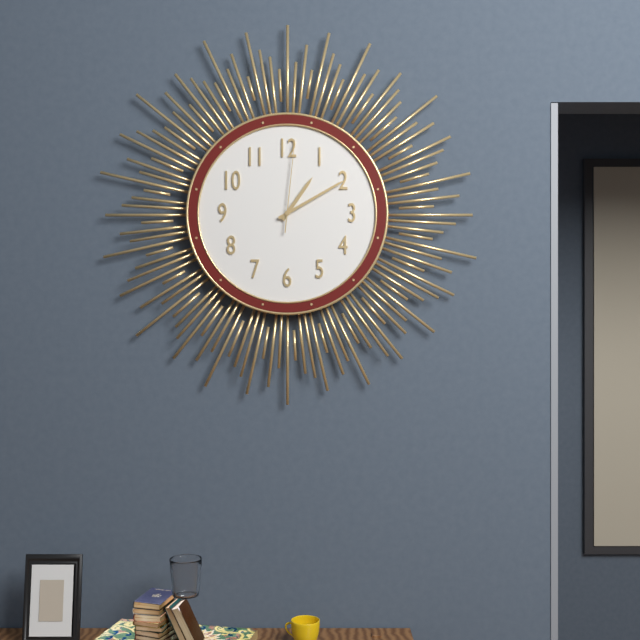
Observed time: 1.10.01
